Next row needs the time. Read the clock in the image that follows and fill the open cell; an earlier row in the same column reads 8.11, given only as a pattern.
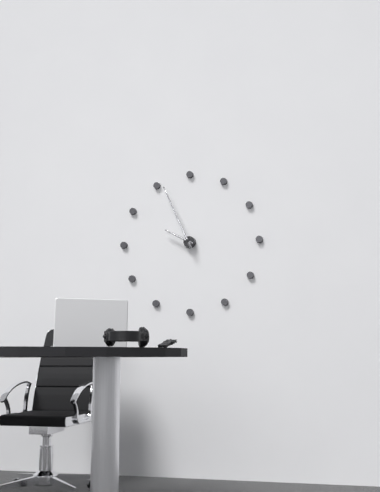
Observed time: 9.56
